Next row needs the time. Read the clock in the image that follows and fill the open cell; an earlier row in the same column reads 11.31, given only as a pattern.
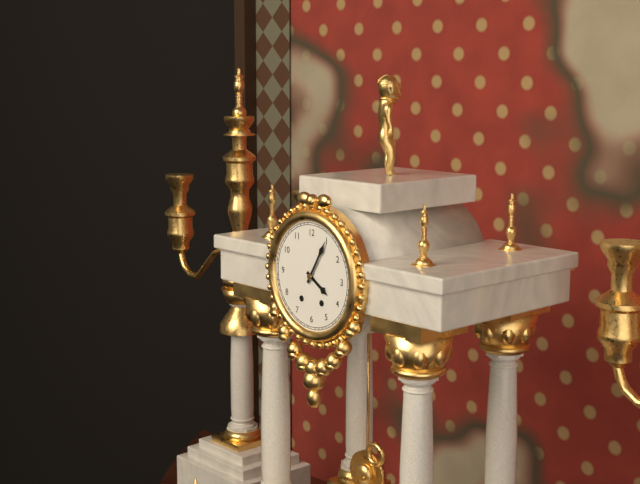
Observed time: 4.05
